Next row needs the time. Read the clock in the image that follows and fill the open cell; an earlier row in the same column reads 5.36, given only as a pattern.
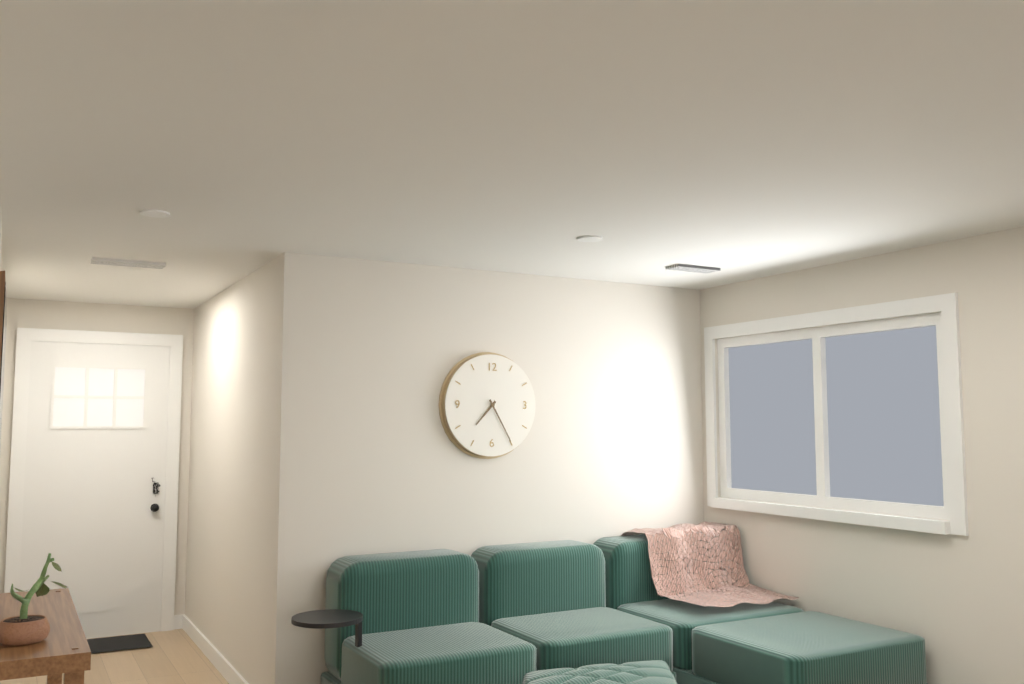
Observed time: 7.25
